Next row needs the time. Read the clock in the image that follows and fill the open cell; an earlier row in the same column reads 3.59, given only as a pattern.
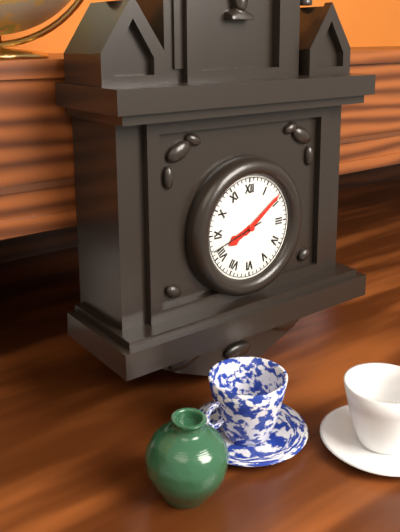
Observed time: 8.09
